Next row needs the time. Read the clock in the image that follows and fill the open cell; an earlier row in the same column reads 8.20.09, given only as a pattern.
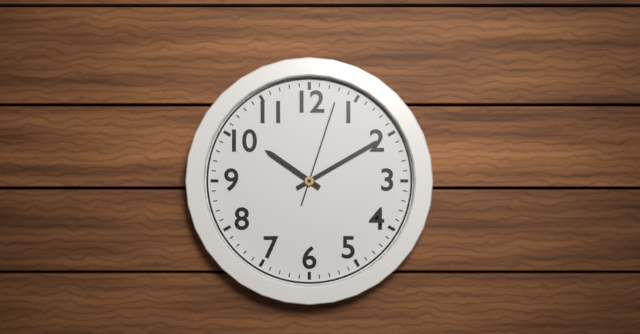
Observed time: 10.10.03
